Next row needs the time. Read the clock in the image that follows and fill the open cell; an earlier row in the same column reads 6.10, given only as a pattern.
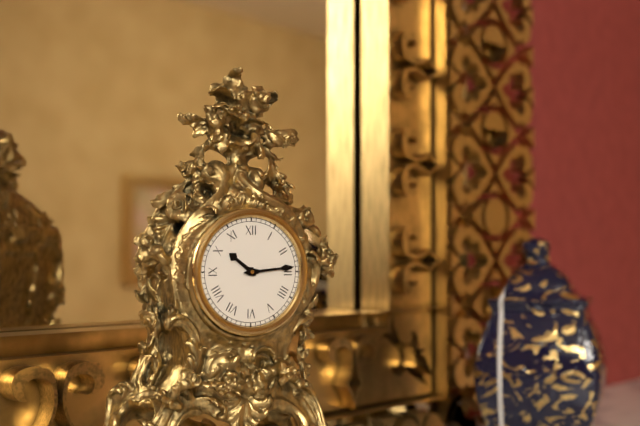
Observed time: 10.14
